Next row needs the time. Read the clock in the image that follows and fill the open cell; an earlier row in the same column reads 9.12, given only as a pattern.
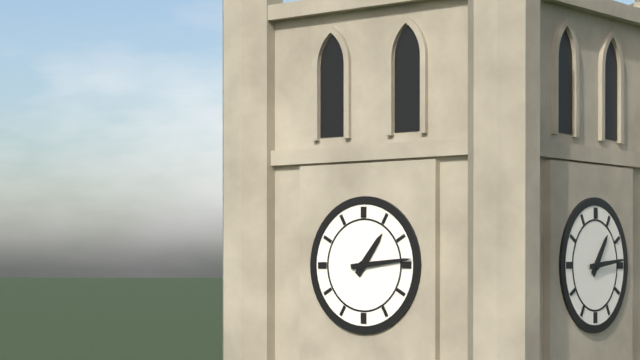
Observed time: 1.14
